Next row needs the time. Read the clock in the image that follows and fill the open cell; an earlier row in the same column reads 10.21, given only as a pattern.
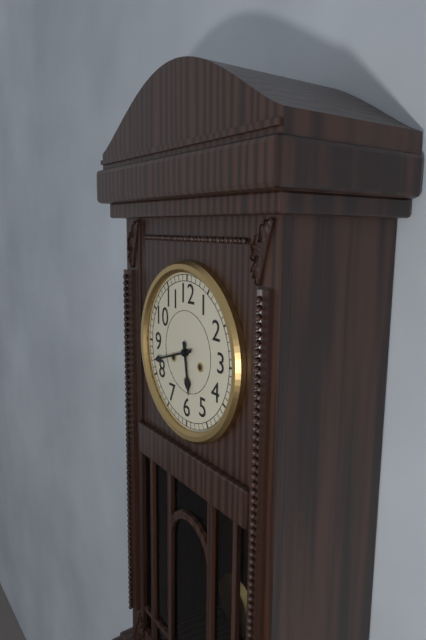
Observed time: 5.42
